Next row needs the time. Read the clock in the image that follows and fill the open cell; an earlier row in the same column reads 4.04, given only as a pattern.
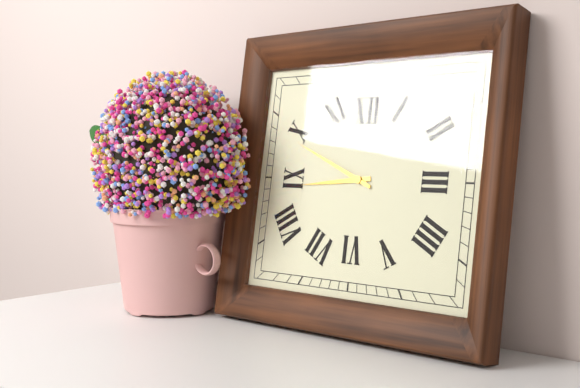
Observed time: 8.49
